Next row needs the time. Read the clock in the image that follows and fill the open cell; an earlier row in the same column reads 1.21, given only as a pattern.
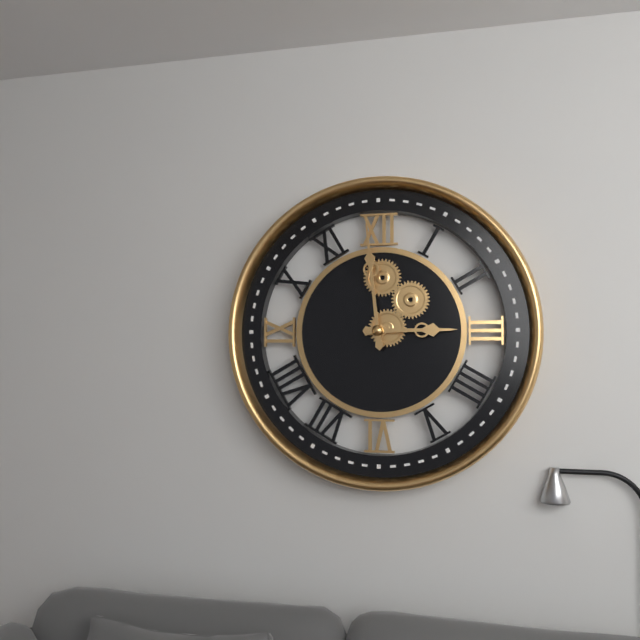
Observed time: 2.59
